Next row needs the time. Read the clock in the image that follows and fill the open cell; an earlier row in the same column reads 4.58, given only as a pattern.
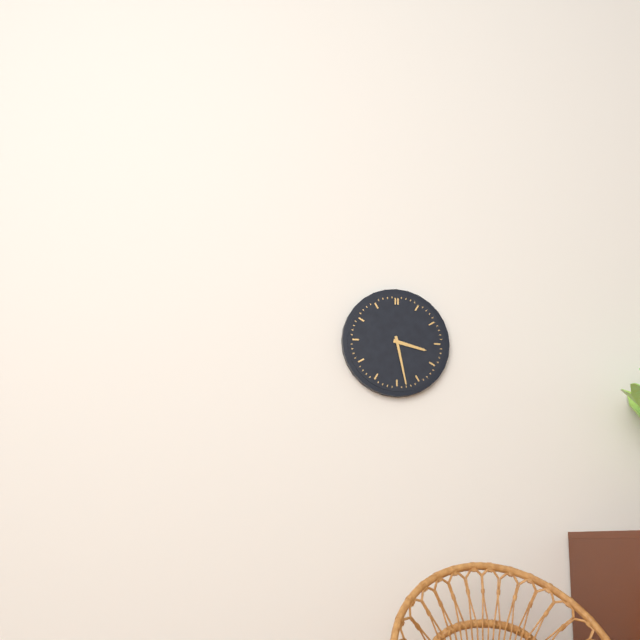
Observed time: 3.28
